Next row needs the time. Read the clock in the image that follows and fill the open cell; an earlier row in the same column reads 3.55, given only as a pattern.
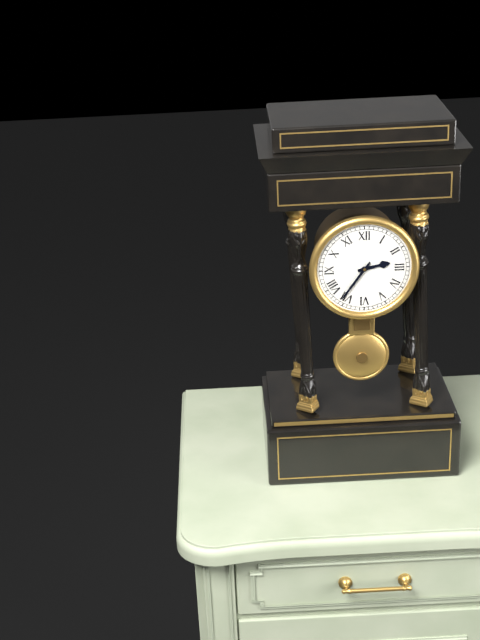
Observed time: 2.36
